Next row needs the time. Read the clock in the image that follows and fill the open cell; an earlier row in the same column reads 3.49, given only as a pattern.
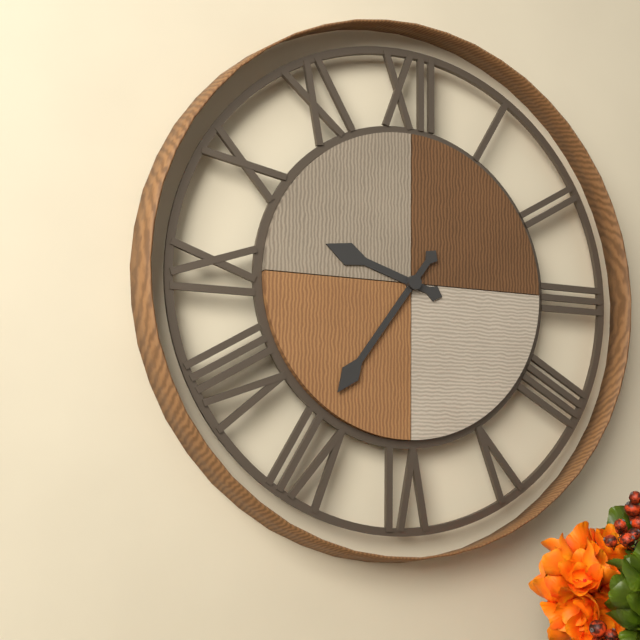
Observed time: 9.36
